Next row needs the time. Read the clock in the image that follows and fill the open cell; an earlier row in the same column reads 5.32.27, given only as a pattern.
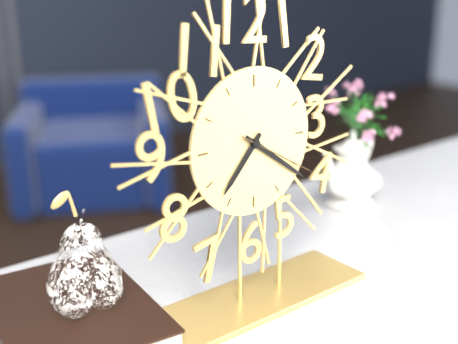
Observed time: 7.21.20
